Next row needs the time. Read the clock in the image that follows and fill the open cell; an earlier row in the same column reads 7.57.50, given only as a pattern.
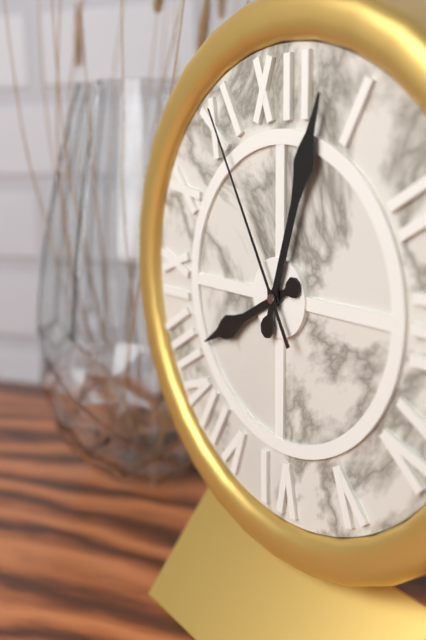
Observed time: 8.03.55
